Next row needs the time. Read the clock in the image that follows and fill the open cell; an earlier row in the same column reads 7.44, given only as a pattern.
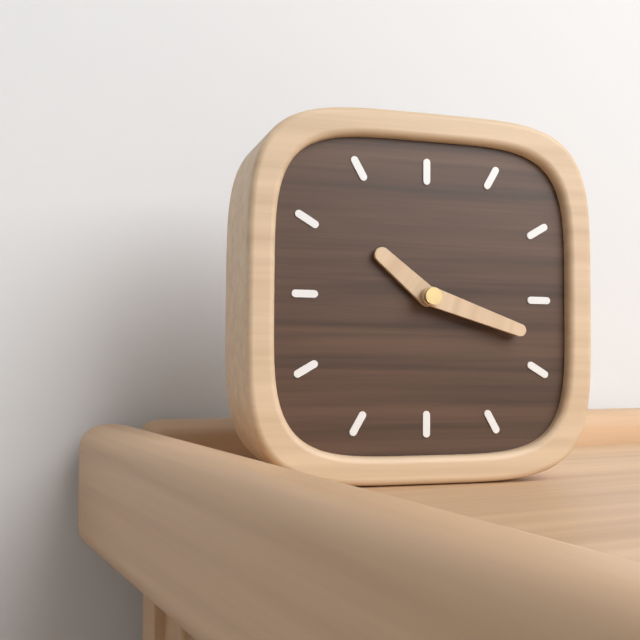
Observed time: 10.18
